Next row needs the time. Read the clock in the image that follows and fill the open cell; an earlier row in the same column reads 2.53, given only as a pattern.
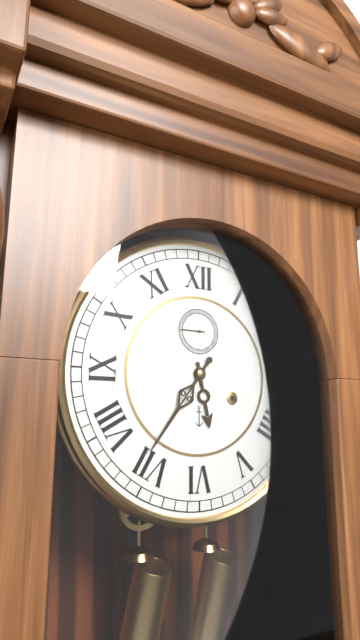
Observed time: 5.36
